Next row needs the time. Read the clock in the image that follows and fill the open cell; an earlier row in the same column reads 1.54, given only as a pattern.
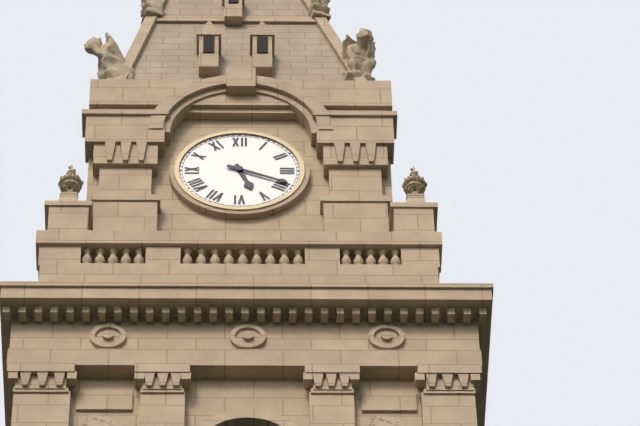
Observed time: 5.19
